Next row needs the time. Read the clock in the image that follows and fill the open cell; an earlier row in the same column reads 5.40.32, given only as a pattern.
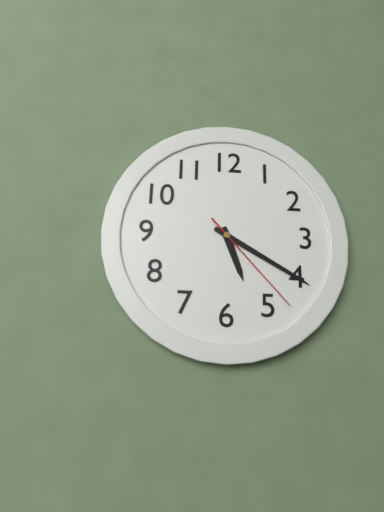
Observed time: 5.20.23
